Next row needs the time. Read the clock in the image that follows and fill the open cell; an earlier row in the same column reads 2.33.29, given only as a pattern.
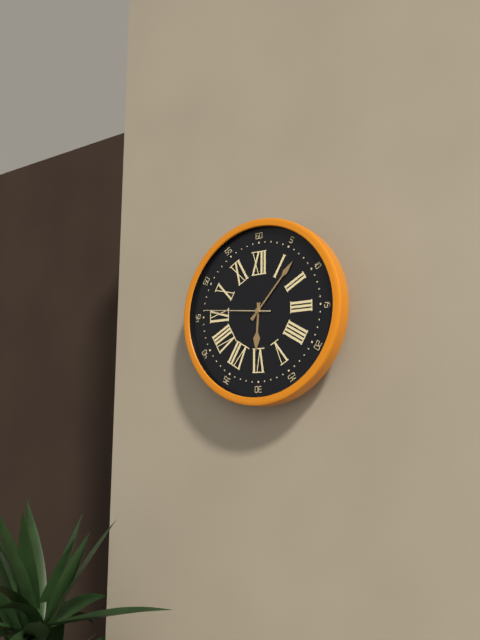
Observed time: 6.07.46
